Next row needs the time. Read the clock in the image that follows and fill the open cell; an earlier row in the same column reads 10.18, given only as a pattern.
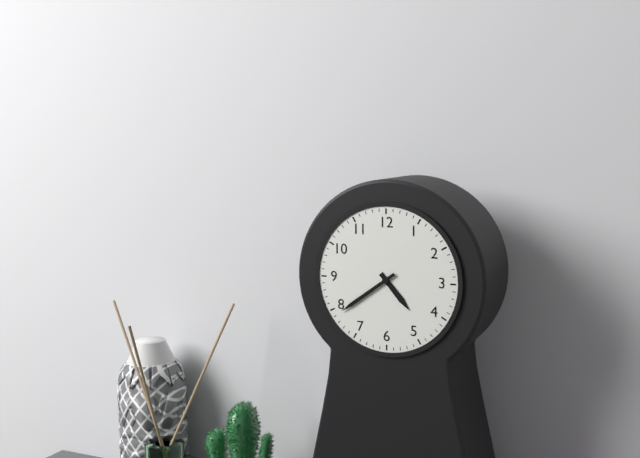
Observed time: 4.39
